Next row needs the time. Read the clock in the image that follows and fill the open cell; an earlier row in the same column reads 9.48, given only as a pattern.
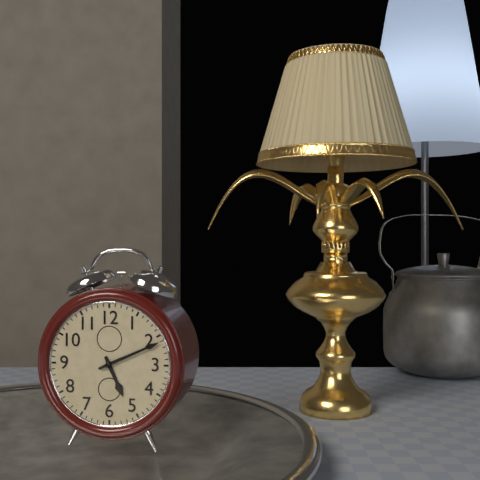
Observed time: 5.11
